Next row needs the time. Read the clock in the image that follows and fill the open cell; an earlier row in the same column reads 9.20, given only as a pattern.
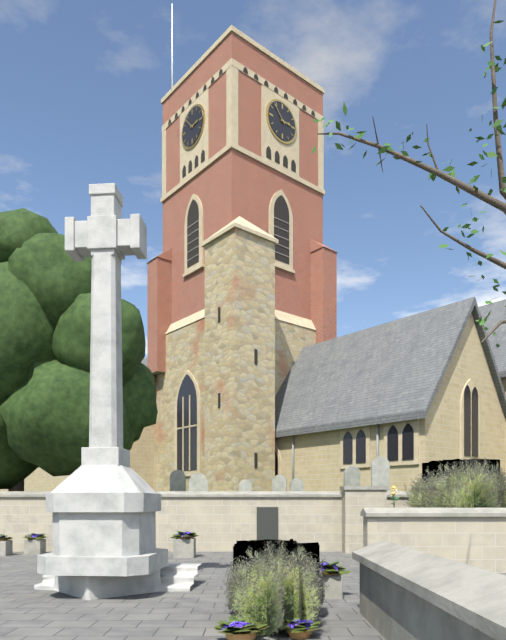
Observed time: 2.53
